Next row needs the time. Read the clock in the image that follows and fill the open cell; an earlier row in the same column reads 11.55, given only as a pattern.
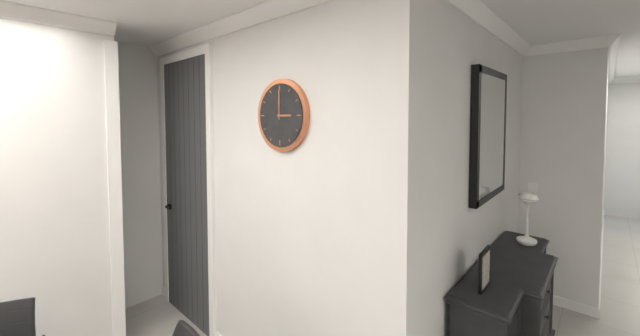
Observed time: 3.00
